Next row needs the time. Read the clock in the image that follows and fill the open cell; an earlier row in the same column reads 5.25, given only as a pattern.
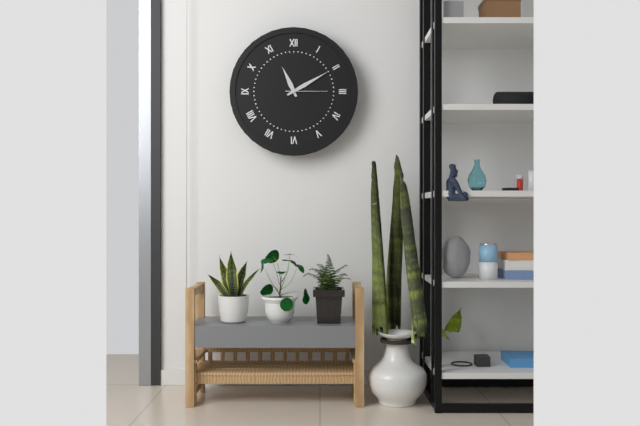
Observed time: 11.10
